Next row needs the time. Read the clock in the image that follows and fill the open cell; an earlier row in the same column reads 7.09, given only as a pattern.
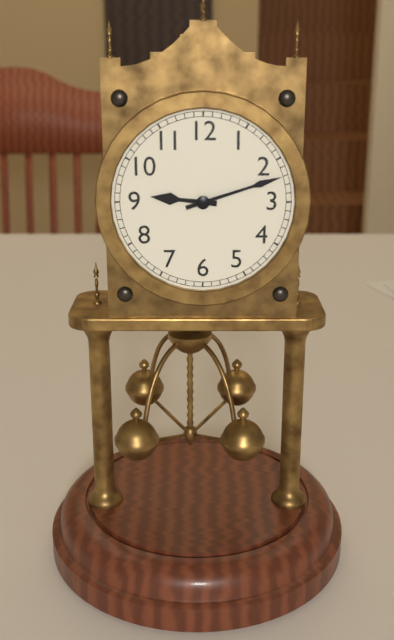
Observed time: 9.12
